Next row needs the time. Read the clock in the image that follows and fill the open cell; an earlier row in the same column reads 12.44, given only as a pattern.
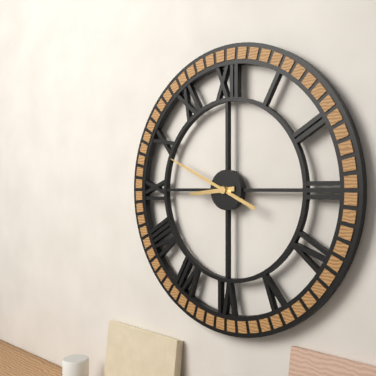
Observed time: 8.49
